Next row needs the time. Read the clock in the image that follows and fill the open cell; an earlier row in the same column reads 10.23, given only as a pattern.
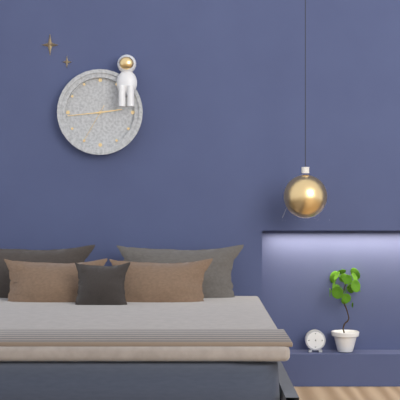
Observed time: 2.44
